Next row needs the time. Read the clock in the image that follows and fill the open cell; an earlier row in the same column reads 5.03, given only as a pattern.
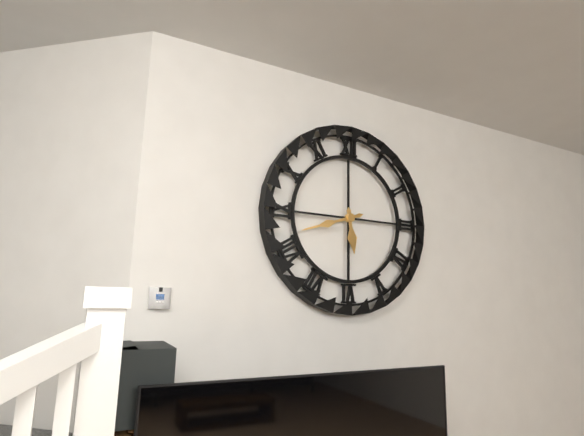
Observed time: 5.42
